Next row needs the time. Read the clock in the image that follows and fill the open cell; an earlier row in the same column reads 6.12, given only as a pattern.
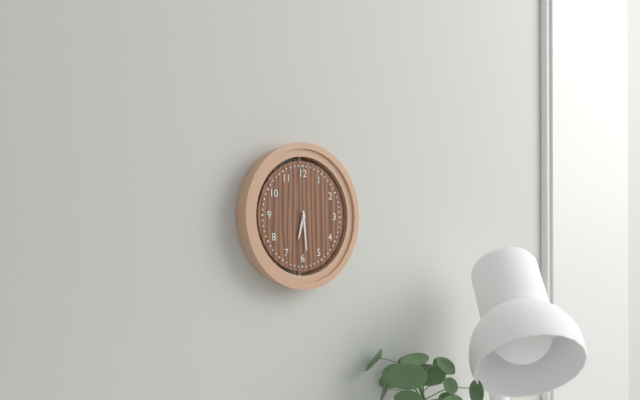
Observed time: 6.29
